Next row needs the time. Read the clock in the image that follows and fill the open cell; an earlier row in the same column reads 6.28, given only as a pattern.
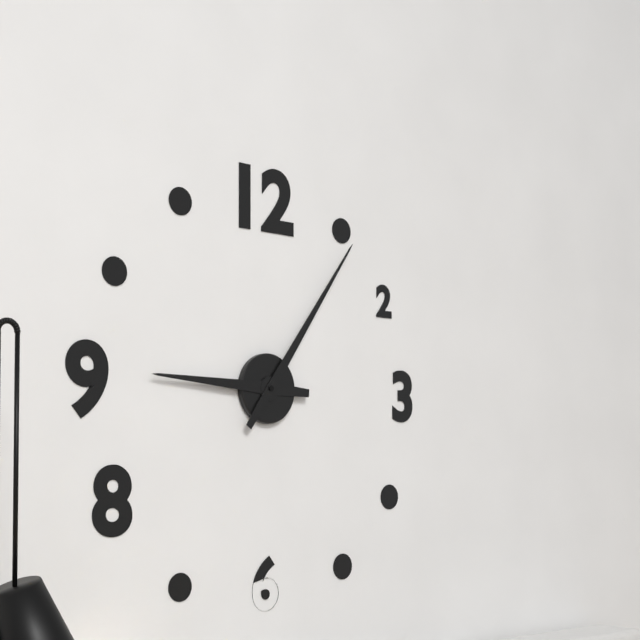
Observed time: 9.06
